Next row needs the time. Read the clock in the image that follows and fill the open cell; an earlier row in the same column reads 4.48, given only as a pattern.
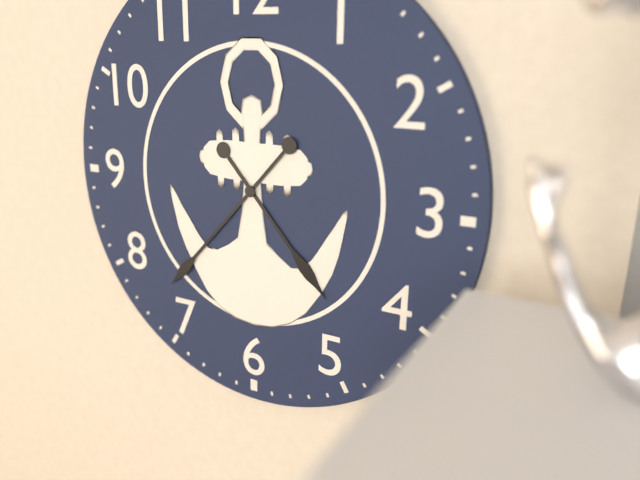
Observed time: 4.37
